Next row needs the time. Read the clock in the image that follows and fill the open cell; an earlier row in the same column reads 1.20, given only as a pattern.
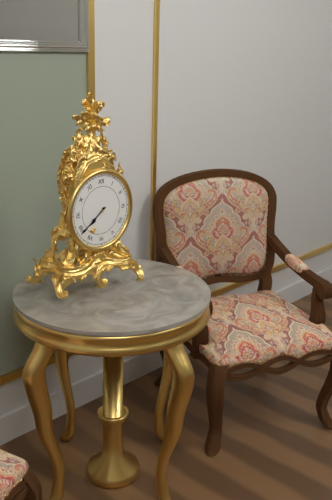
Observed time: 7.39
